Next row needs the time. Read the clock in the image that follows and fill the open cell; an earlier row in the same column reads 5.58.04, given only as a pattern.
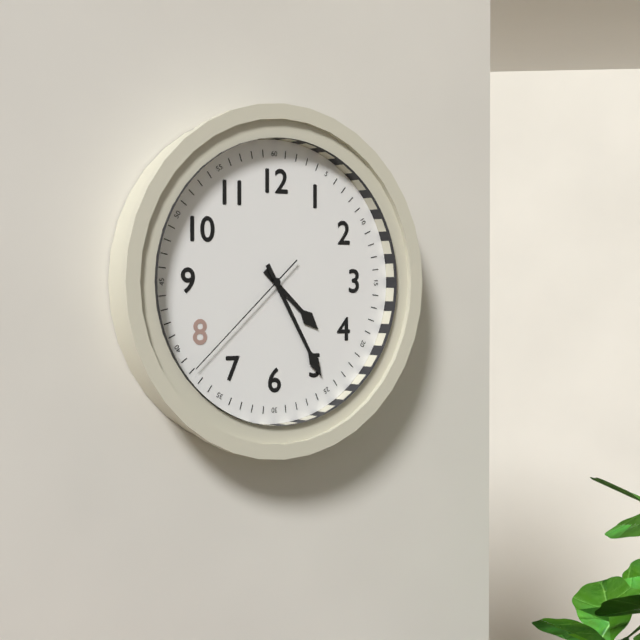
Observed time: 4.25.38
